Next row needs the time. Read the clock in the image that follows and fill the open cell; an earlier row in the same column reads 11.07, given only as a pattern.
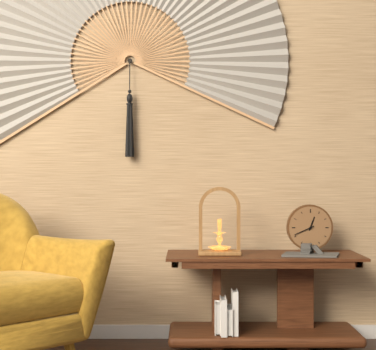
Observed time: 12.41
